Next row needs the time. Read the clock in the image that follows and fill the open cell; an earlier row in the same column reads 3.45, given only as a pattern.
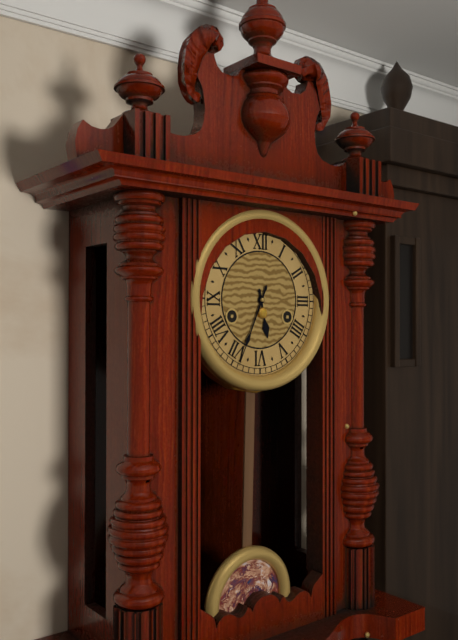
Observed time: 5.34
